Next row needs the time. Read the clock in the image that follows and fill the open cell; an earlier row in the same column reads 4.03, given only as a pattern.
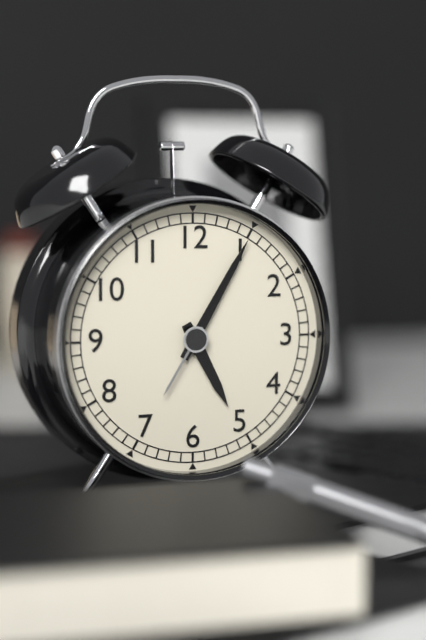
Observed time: 5.05
